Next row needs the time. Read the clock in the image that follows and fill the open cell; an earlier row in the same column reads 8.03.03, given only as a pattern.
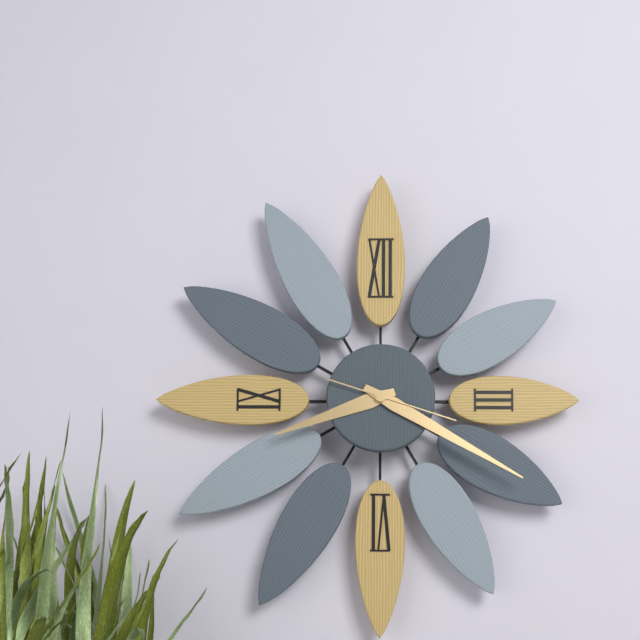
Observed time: 8.20.18
